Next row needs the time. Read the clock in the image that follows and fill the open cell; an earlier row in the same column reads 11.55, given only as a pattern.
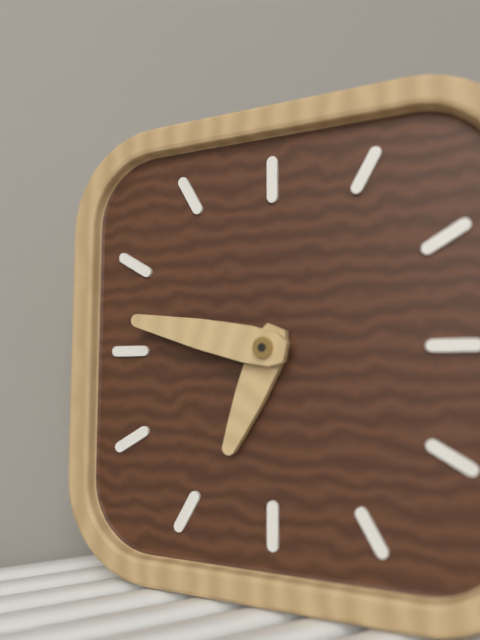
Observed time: 6.47
